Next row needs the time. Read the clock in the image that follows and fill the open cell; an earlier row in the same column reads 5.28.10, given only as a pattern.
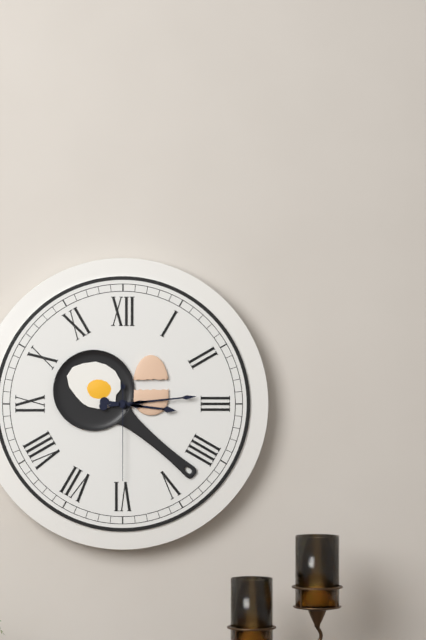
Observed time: 3.14.30
